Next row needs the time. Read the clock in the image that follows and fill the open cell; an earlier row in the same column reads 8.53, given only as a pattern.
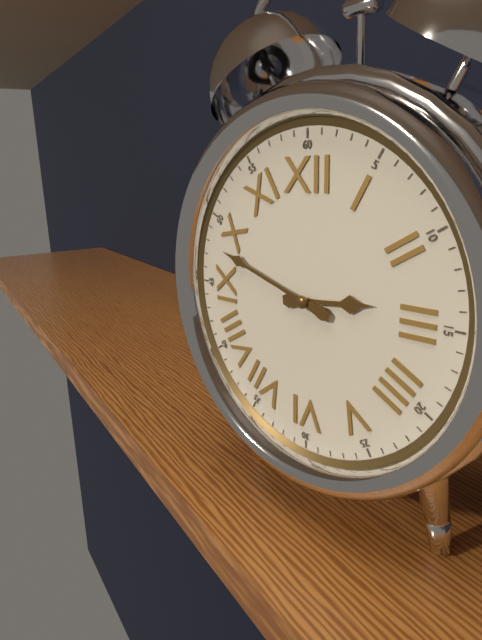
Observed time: 2.48
